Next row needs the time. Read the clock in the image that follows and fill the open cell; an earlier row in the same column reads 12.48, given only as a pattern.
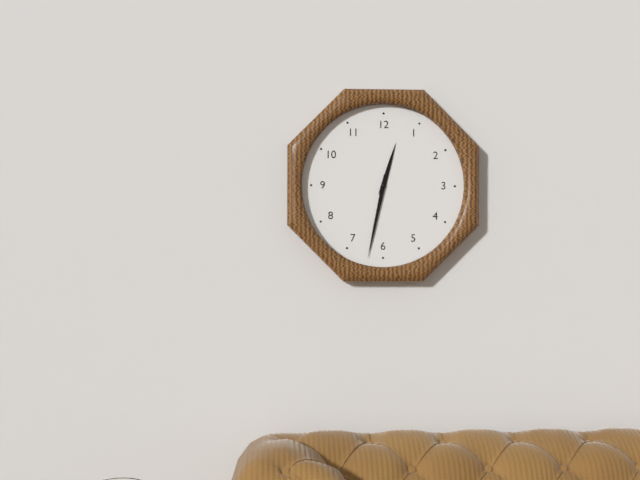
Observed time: 12.32
